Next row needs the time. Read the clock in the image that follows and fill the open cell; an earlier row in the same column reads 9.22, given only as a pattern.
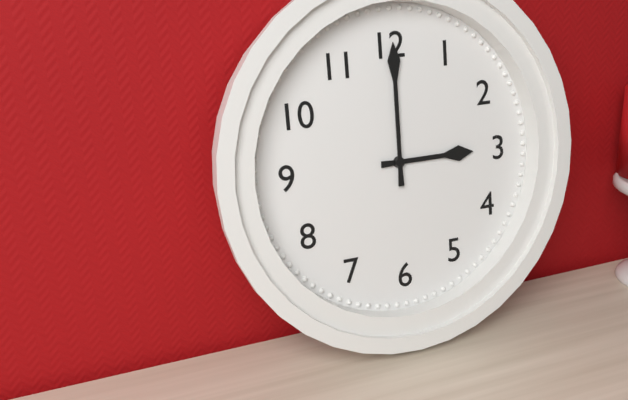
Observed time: 3.00
